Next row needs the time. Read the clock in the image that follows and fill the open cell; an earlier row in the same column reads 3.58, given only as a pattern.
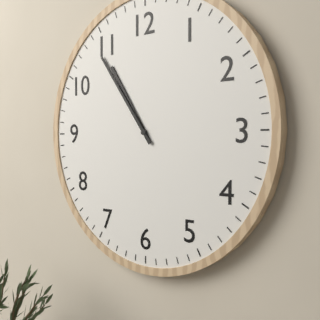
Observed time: 10.54
